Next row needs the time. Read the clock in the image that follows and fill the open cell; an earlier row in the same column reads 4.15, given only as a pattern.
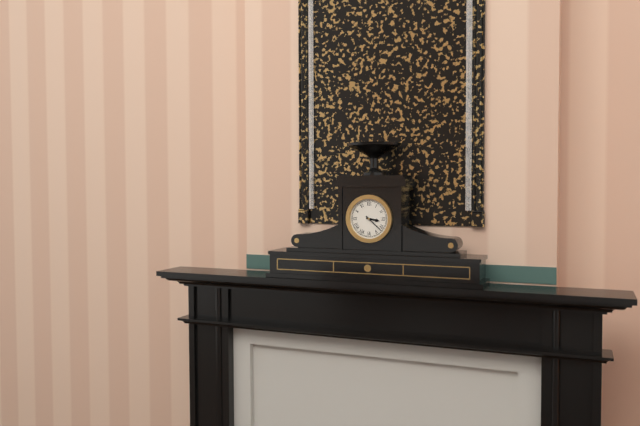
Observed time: 3.22
